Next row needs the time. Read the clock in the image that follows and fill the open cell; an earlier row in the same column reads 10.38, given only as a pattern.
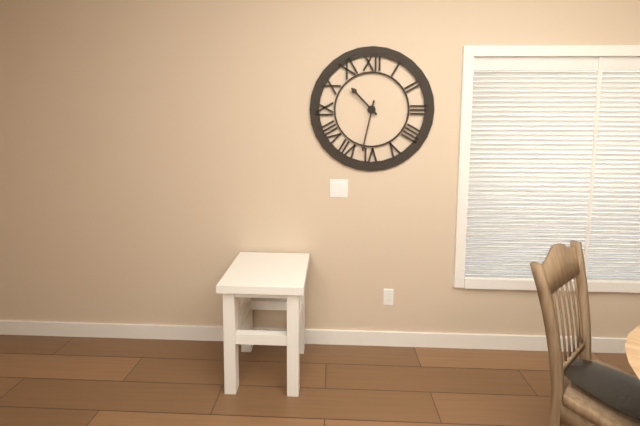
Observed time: 10.32
